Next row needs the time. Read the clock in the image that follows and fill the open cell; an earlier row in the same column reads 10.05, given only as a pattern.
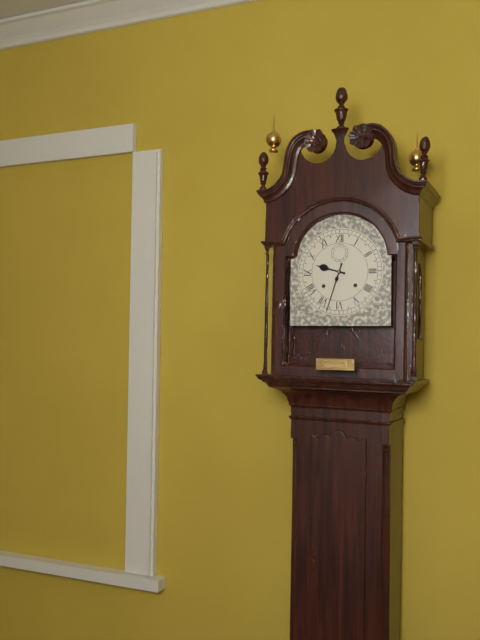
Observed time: 9.33
